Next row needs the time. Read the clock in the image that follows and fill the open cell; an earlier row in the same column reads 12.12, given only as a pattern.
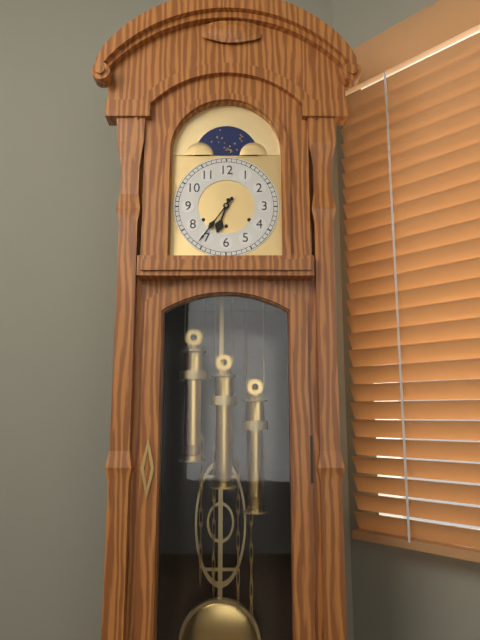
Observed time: 6.36
